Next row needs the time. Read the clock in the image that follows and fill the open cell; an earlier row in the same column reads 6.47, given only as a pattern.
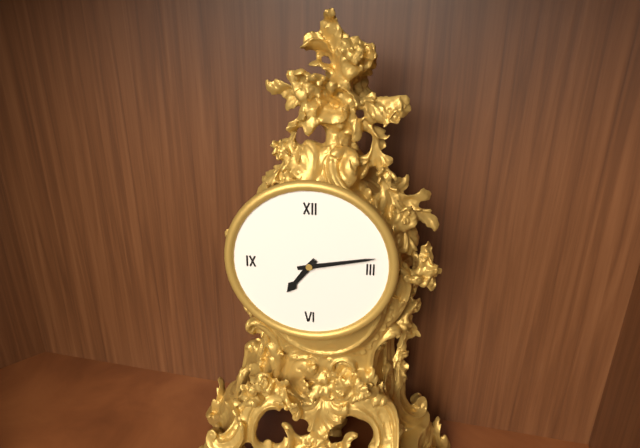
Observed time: 7.13
